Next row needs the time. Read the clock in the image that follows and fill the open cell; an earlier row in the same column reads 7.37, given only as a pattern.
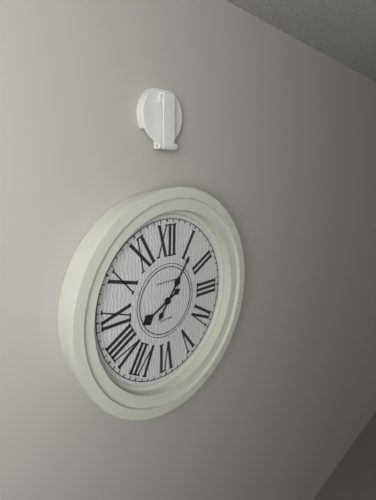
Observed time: 8.06
